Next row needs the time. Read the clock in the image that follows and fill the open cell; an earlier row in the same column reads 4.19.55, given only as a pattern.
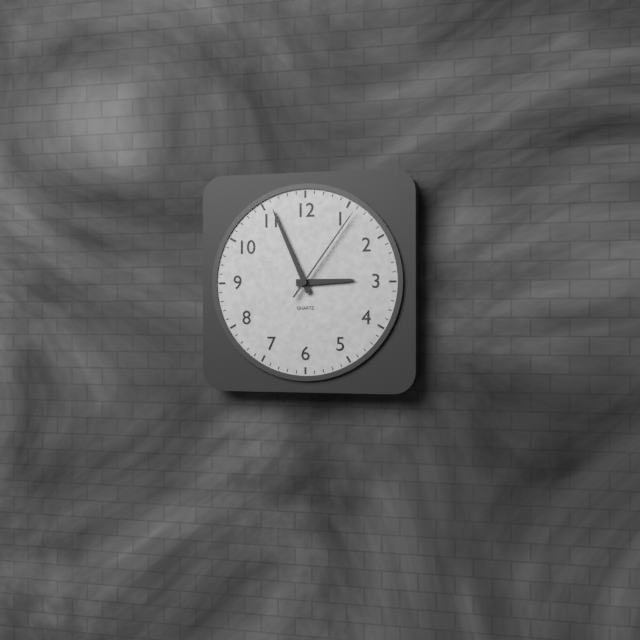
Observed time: 2.56.06
